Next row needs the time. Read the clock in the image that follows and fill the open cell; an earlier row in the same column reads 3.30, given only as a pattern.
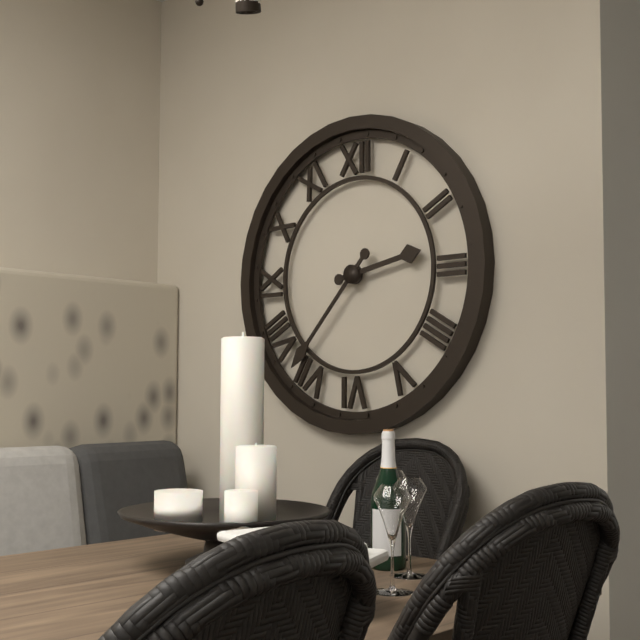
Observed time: 2.37
